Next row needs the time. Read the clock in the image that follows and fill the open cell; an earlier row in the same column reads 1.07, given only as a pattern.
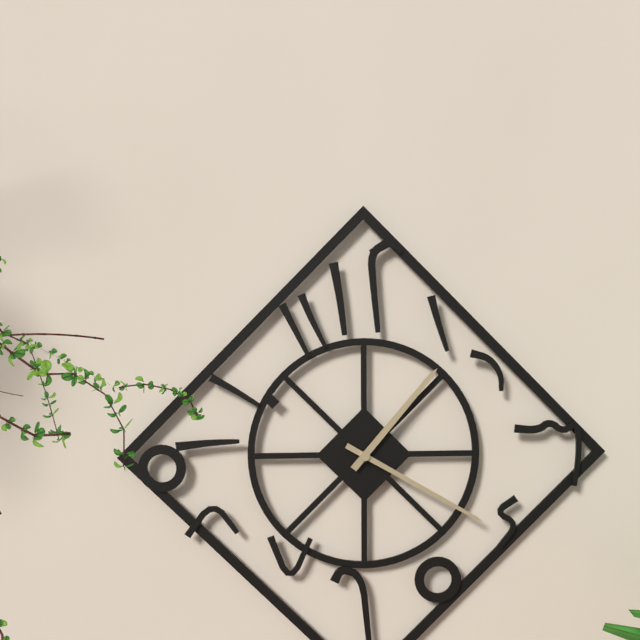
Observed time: 1.20
